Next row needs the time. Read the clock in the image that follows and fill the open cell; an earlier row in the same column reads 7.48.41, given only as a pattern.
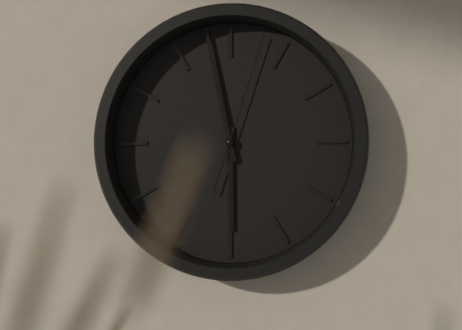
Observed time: 5.58.03
